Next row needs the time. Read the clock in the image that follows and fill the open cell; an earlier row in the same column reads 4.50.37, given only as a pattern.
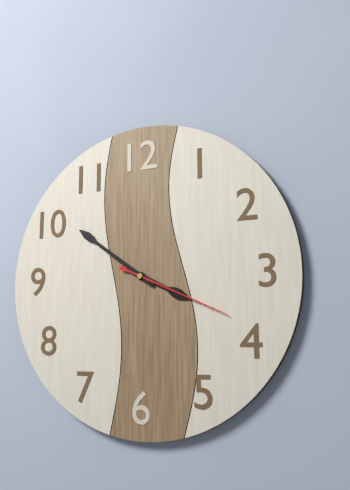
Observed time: 3.51.19
